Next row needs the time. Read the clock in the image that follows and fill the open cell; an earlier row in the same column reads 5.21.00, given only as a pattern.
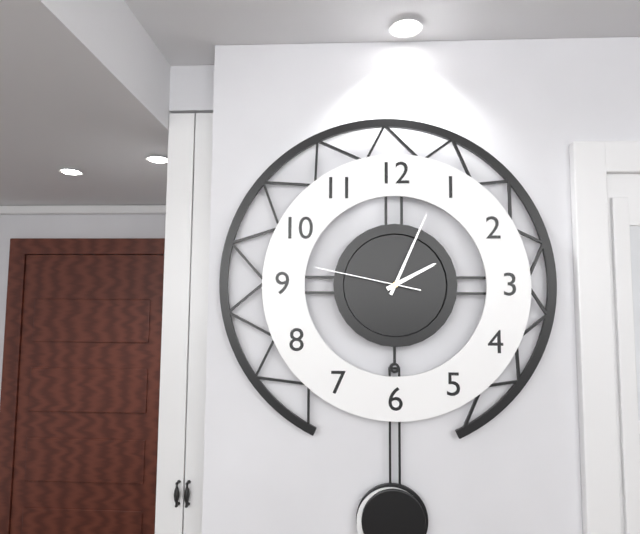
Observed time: 2.04.47
